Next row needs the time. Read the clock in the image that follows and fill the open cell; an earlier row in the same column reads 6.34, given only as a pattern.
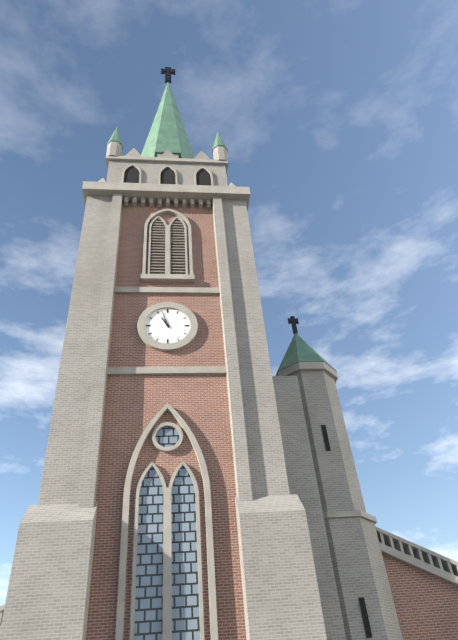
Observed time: 10.57
